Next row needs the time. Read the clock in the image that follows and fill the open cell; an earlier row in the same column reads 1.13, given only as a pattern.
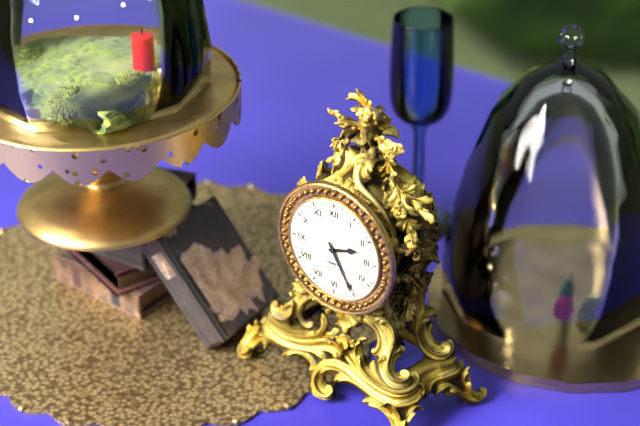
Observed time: 2.25
